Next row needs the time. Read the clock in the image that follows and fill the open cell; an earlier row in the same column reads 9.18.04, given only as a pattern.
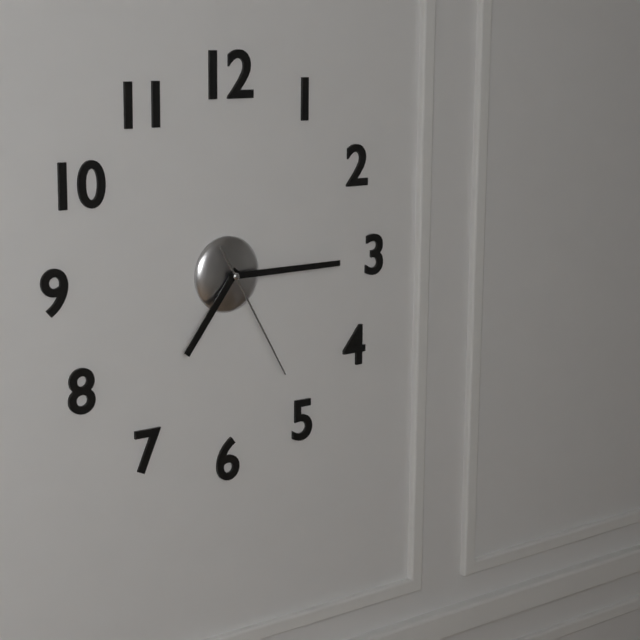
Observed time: 7.15.25
